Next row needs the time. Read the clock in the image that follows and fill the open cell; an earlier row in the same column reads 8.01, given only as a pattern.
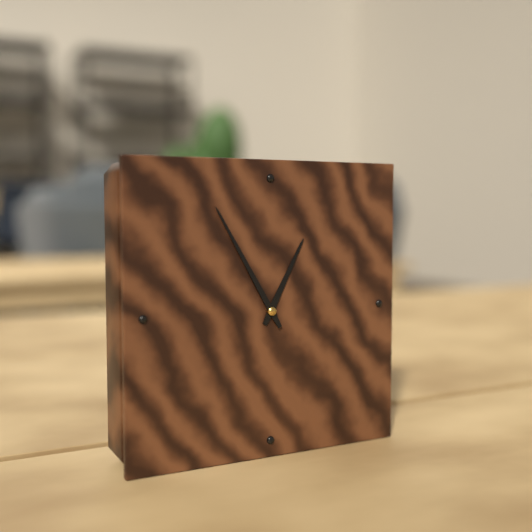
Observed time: 12.55
